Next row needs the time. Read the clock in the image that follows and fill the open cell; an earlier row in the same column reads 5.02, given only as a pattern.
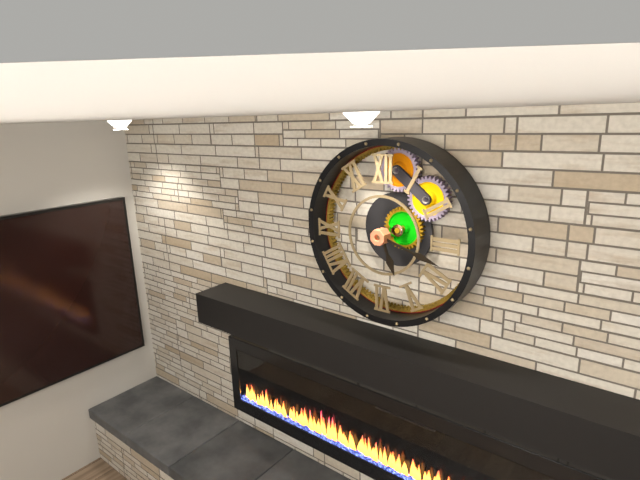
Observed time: 5.18
